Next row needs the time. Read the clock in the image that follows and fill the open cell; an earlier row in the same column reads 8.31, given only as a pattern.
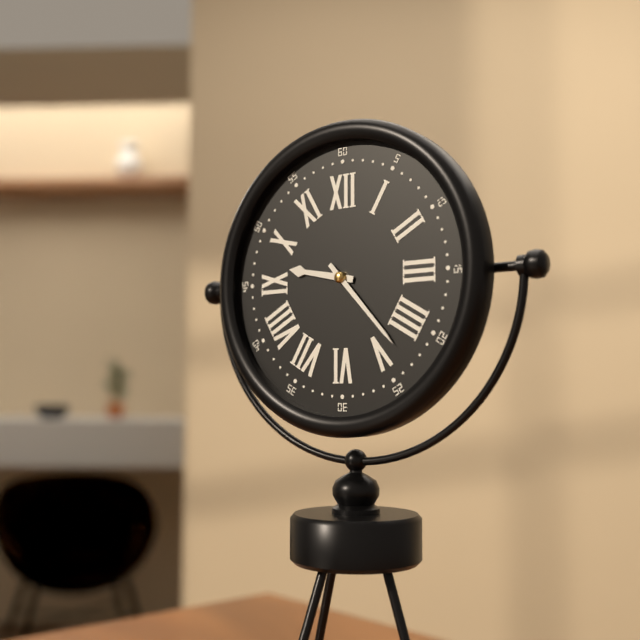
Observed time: 9.23
